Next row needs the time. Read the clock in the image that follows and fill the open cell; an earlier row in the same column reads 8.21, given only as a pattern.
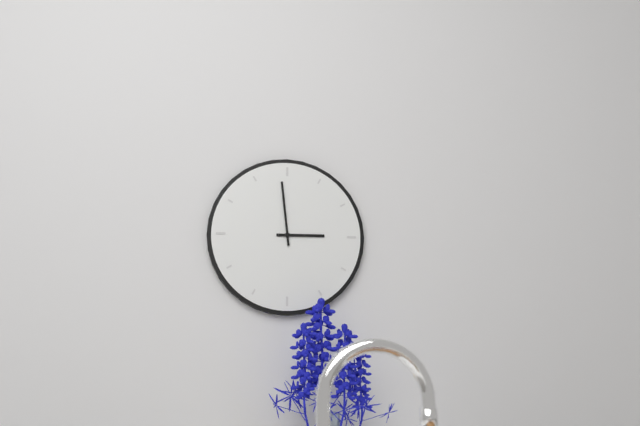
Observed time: 2.59
